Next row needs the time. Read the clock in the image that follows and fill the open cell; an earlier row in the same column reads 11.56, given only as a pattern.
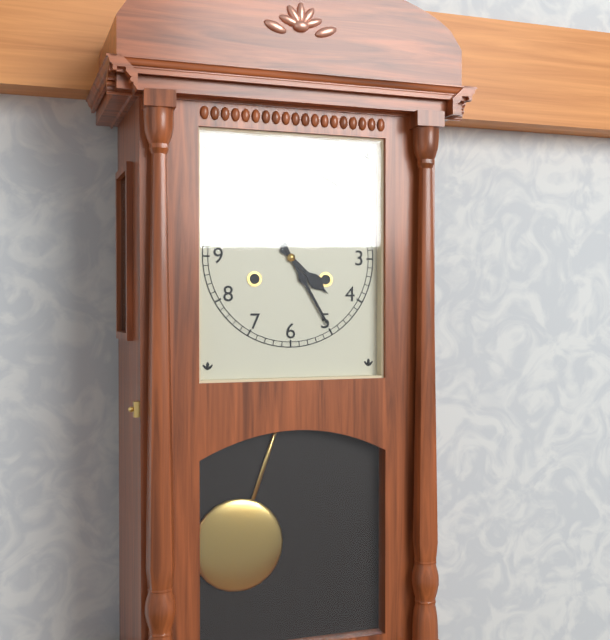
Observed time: 4.25
